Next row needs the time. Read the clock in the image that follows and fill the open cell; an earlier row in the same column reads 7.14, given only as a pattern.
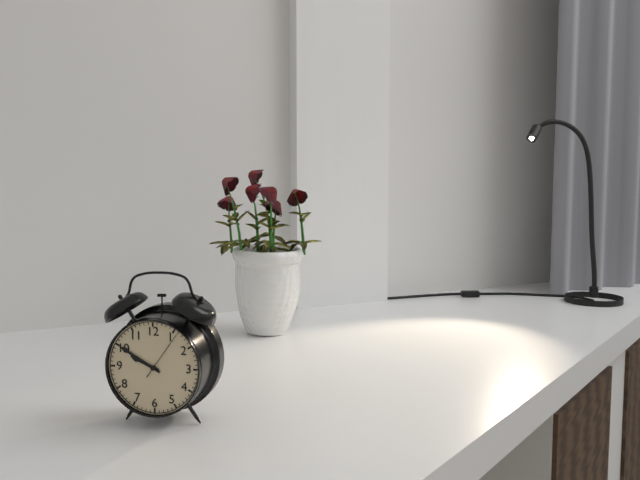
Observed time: 9.50
